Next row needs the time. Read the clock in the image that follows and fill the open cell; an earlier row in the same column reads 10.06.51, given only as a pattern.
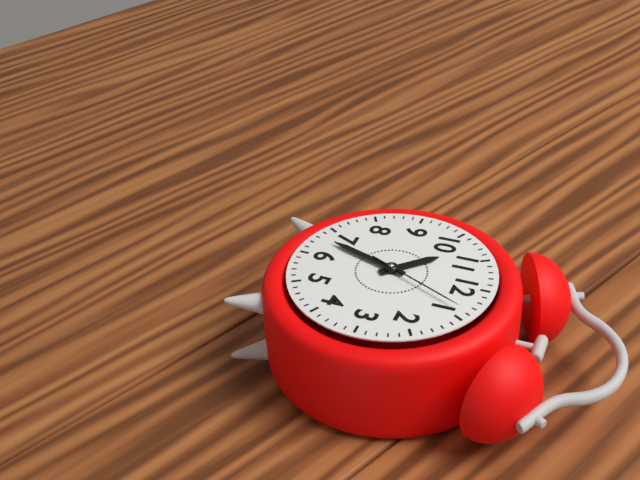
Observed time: 10.33.04
